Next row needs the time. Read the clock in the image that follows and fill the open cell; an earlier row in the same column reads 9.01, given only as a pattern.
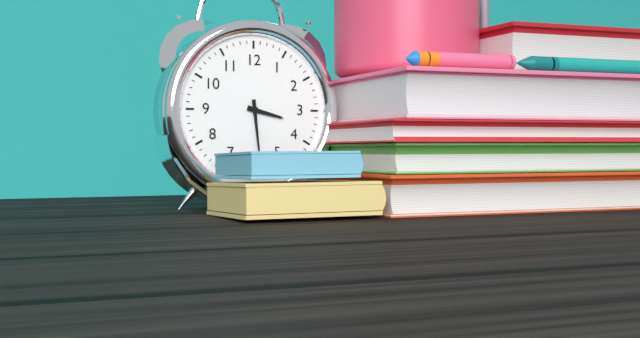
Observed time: 3.29
